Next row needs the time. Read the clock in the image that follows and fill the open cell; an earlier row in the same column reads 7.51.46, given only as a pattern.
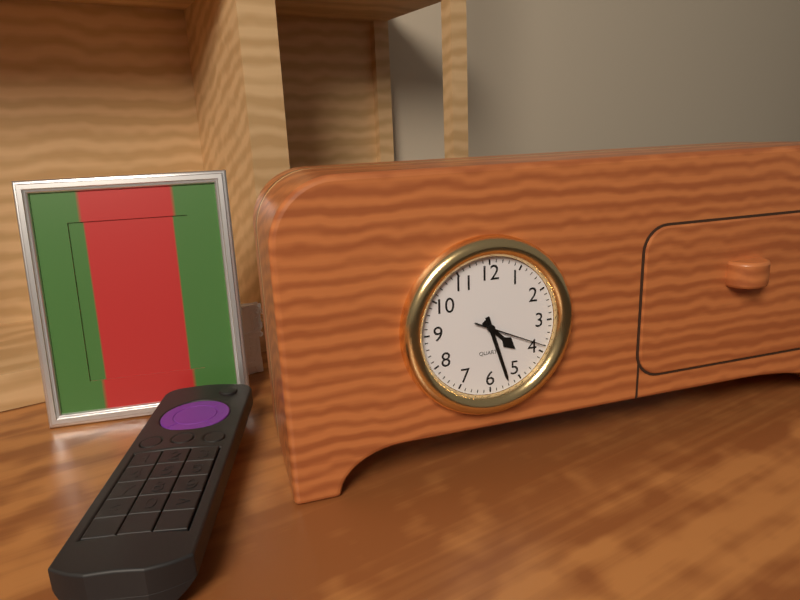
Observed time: 4.27.19
